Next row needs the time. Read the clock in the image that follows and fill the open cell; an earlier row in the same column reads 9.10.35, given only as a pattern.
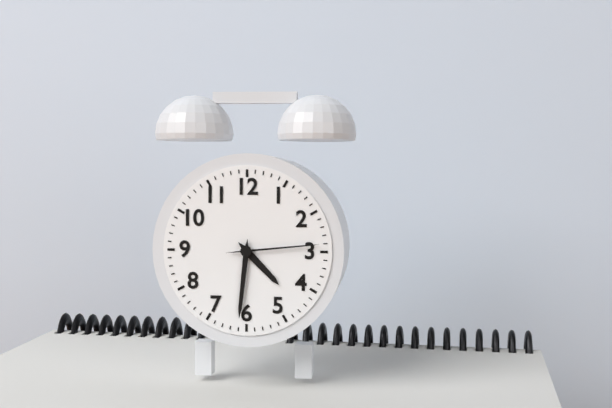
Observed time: 4.31.14
